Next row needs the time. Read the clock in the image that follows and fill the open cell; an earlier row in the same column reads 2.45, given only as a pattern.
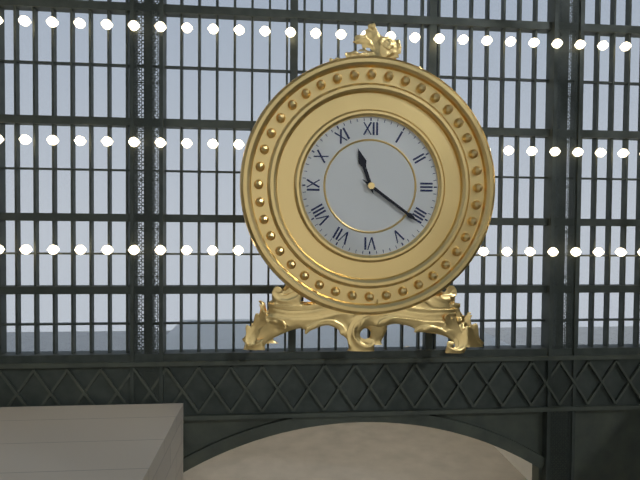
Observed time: 11.21
